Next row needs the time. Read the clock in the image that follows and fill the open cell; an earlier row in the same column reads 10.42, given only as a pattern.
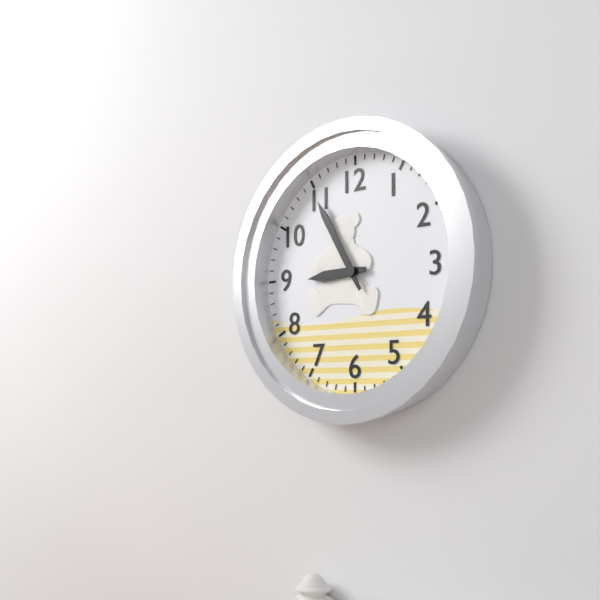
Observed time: 8.55
